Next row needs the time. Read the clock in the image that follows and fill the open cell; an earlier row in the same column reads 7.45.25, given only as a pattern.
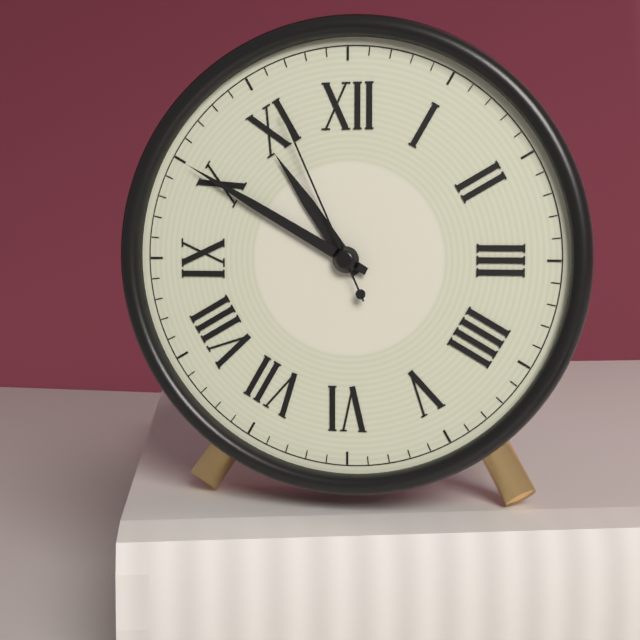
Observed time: 10.50.56
